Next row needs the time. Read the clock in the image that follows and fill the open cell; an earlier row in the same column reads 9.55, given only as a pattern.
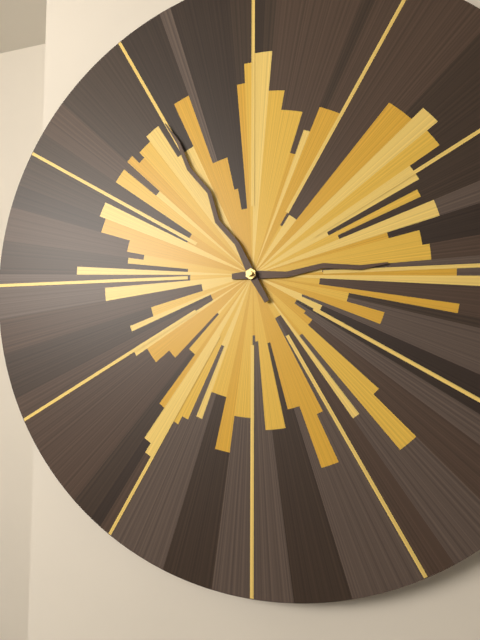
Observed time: 2.55
